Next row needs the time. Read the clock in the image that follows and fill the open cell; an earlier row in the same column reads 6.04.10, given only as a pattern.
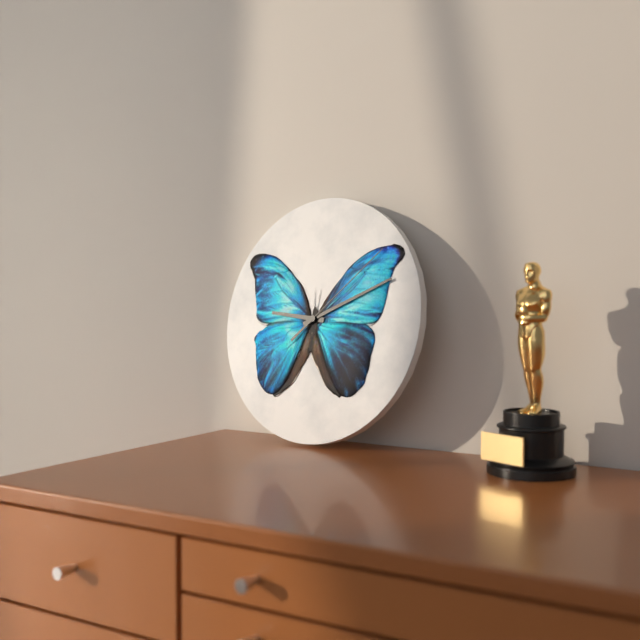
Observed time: 9.11.08
